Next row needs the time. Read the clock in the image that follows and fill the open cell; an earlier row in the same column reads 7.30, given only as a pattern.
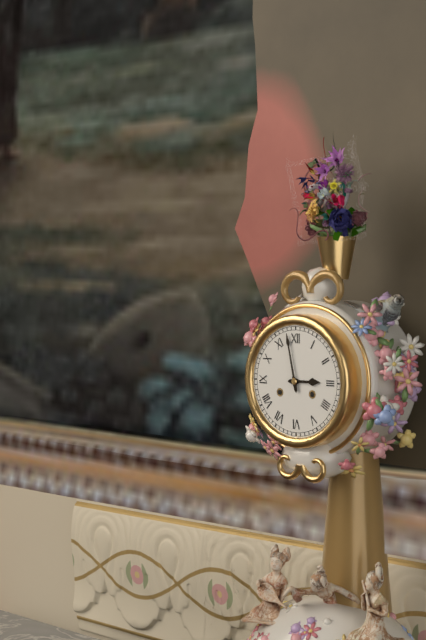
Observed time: 2.58
